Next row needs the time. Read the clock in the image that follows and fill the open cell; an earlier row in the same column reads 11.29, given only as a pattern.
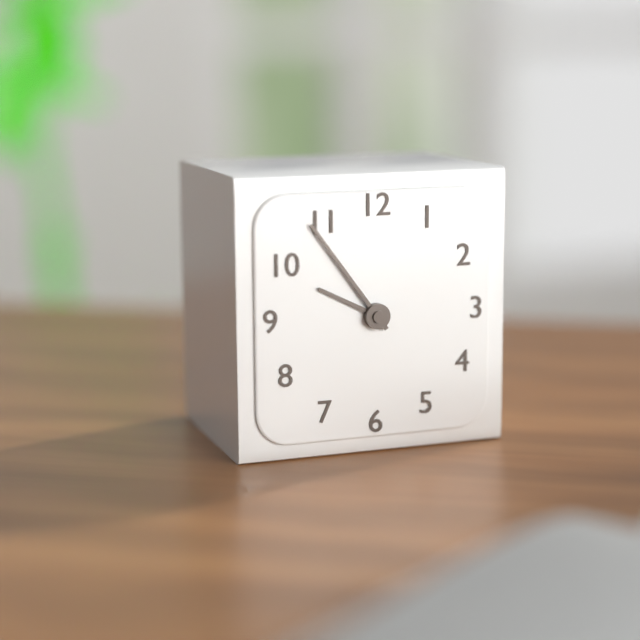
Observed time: 9.54
